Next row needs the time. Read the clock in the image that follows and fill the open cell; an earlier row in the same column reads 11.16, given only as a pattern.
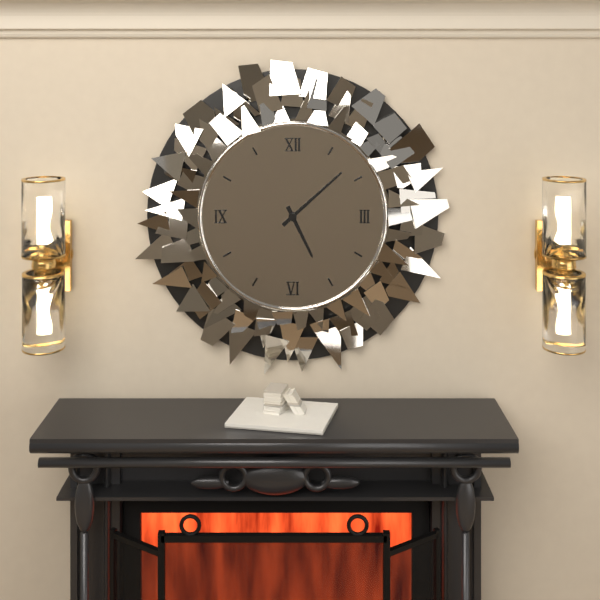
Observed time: 5.08
